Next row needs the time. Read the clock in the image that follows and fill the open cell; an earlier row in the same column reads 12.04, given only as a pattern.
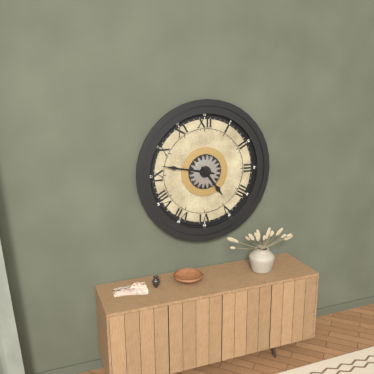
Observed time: 4.47
